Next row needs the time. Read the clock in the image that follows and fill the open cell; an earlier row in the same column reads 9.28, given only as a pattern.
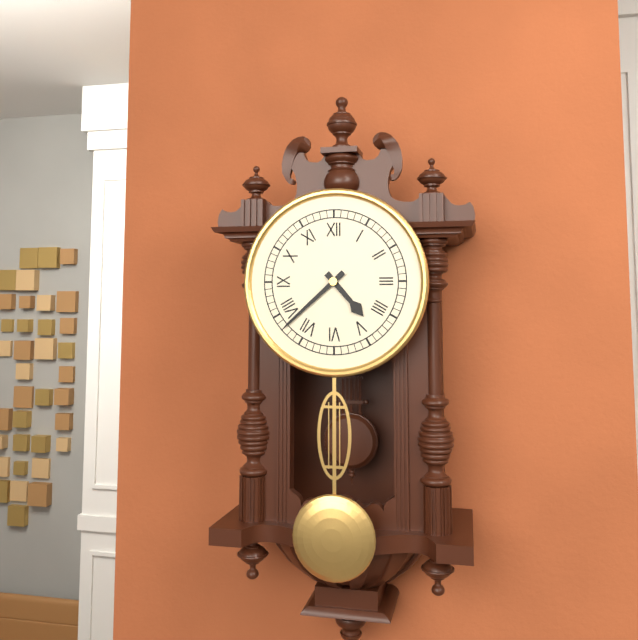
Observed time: 4.38
